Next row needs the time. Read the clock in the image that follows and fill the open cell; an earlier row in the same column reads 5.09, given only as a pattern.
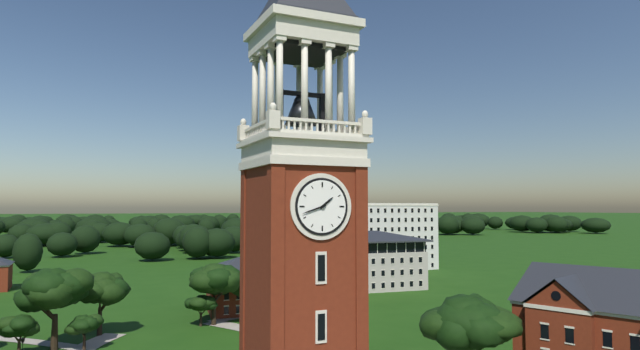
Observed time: 1.42
